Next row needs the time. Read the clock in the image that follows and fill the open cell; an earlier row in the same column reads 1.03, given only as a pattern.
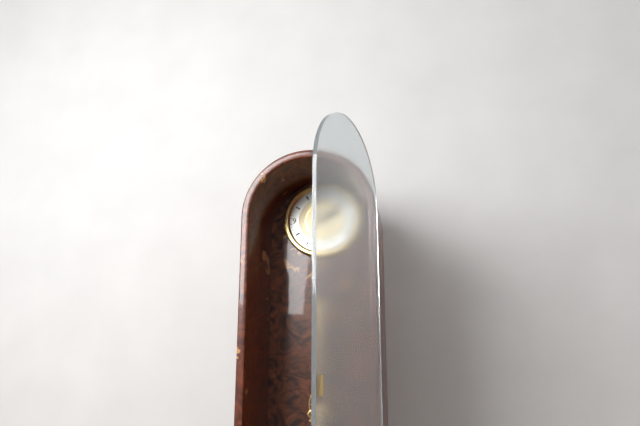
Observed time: 2.08
